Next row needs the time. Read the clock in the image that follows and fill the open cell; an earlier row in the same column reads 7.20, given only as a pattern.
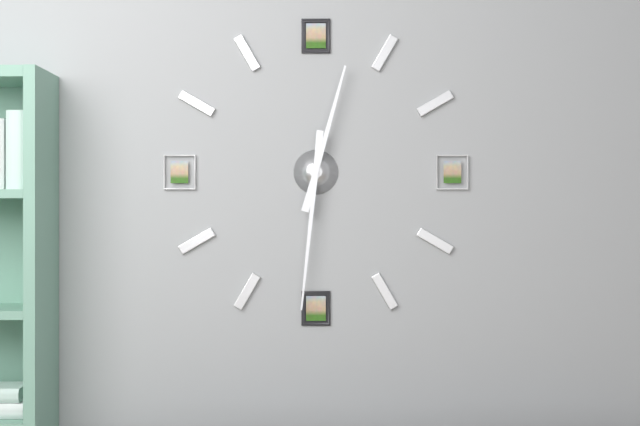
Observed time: 12.31
